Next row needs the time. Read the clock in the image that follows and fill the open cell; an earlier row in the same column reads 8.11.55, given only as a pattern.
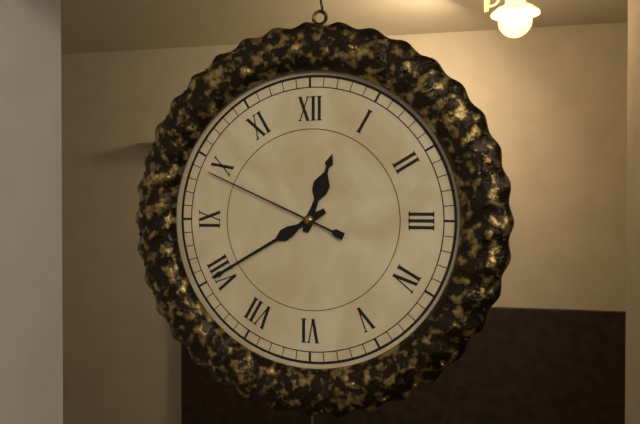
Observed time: 12.40.49
